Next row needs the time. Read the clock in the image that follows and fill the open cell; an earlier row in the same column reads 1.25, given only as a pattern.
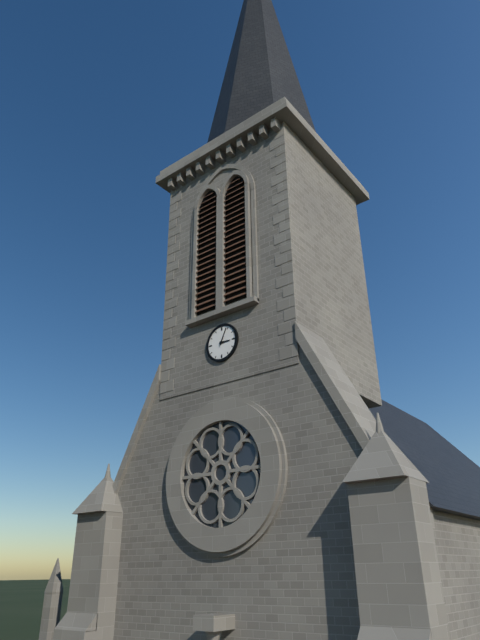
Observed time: 3.04
